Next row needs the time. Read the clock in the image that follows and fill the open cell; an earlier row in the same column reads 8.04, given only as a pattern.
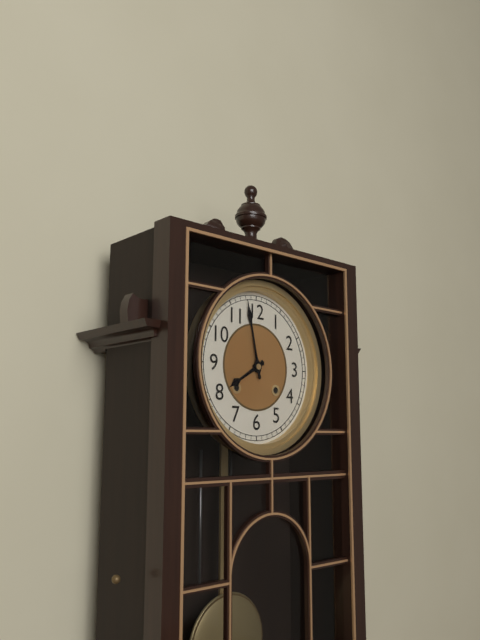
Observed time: 7.58
